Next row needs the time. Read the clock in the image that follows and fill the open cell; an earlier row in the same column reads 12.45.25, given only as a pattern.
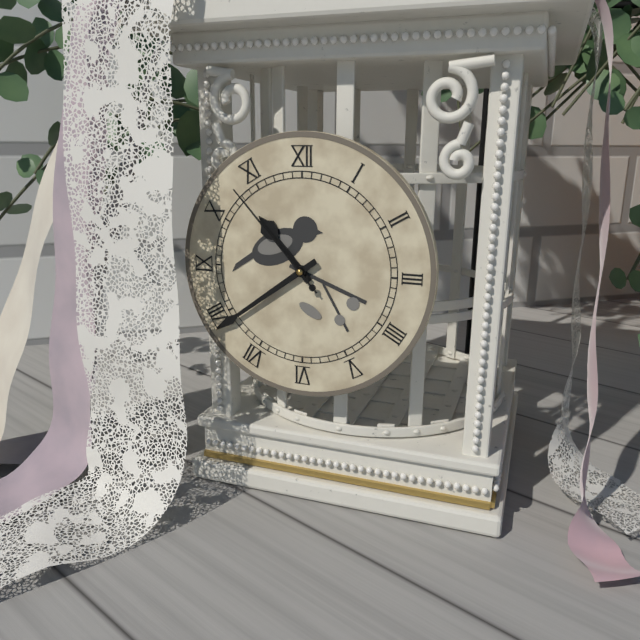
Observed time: 10.39.53
